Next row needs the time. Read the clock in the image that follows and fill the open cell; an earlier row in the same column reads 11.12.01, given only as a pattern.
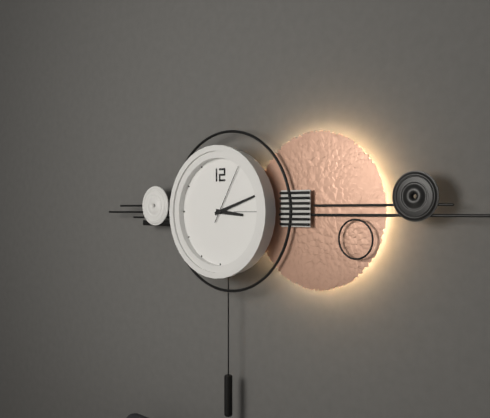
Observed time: 3.12.05
